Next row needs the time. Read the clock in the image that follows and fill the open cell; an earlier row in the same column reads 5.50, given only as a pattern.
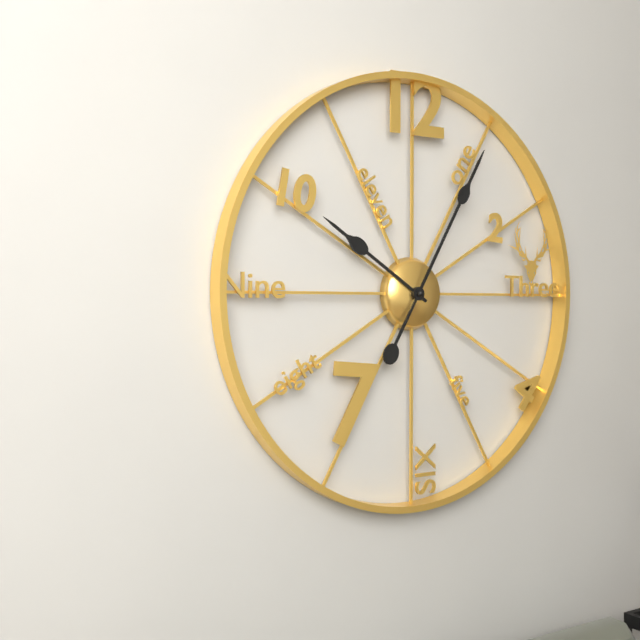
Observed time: 10.05
